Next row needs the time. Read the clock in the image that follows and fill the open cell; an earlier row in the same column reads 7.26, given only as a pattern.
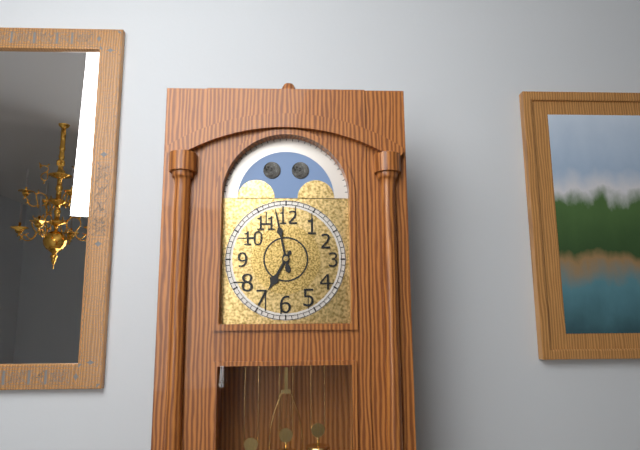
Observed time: 6.58
